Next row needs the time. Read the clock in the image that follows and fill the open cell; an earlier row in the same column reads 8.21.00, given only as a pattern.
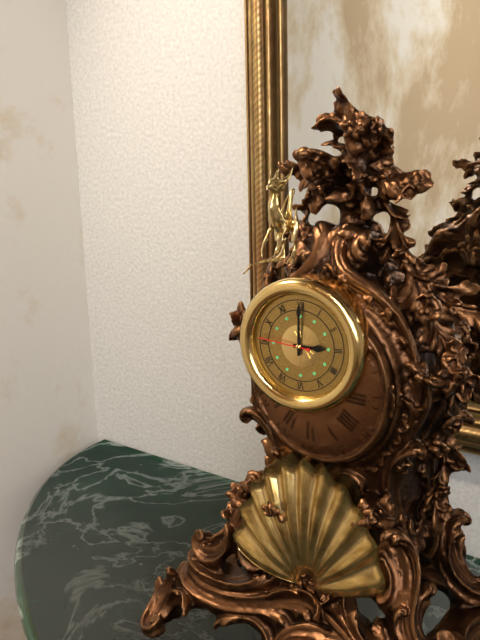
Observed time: 3.00.46
